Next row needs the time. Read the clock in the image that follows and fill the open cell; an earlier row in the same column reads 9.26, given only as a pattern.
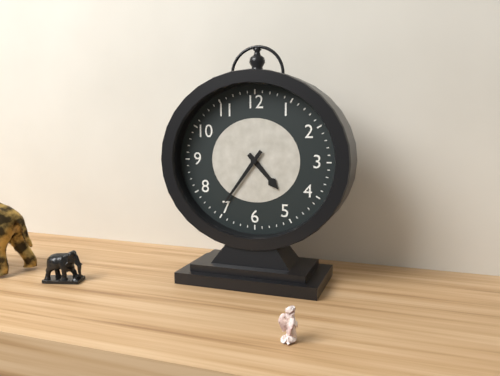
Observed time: 4.36
